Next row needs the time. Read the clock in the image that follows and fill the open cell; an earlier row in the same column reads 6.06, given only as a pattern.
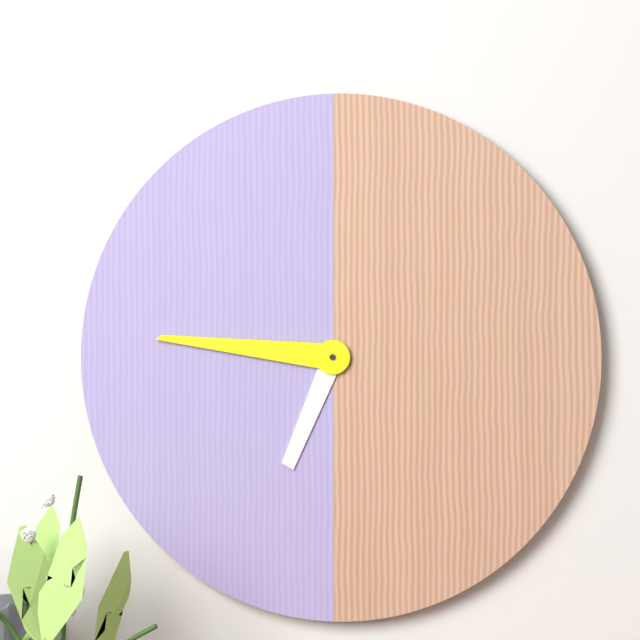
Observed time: 6.46
